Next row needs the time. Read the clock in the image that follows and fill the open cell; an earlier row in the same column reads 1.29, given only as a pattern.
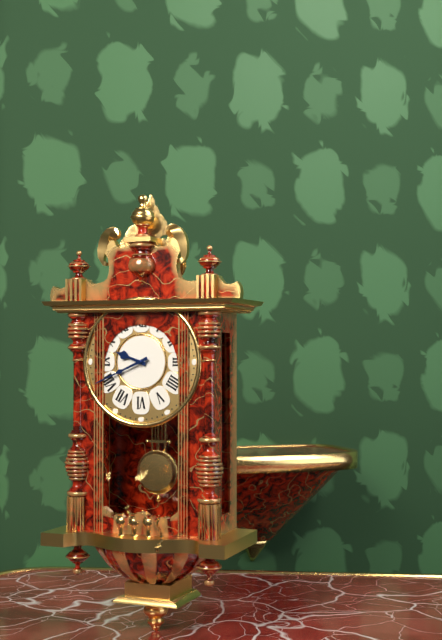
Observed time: 9.41
